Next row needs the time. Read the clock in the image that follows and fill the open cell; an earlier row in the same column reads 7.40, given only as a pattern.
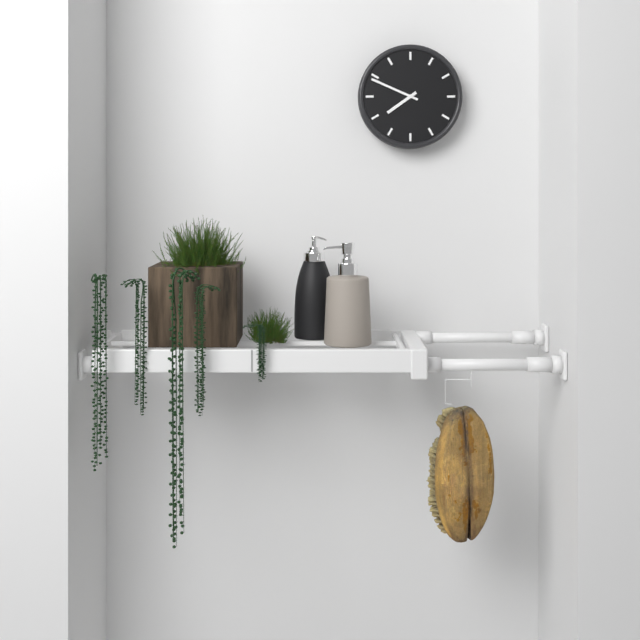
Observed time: 7.49
